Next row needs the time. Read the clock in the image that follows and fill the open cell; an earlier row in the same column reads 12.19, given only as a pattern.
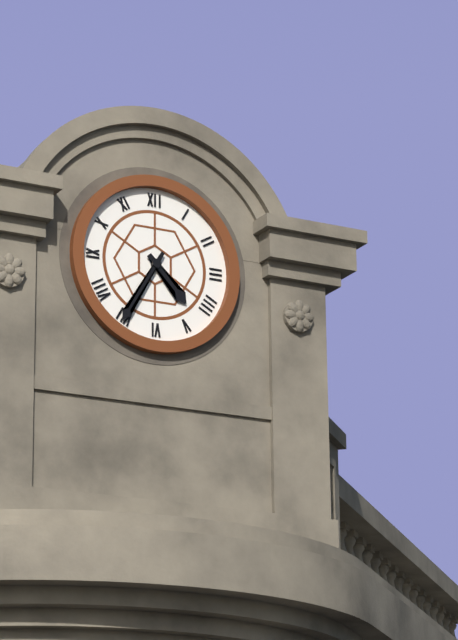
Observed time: 4.35
